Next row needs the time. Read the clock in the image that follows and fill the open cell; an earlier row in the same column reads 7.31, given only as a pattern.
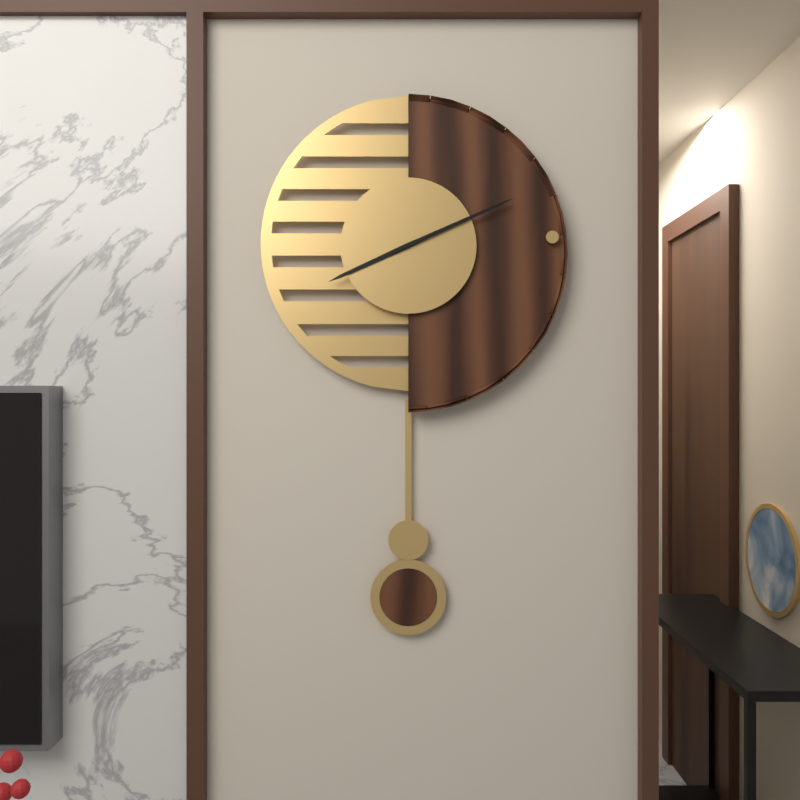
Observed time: 8.11
